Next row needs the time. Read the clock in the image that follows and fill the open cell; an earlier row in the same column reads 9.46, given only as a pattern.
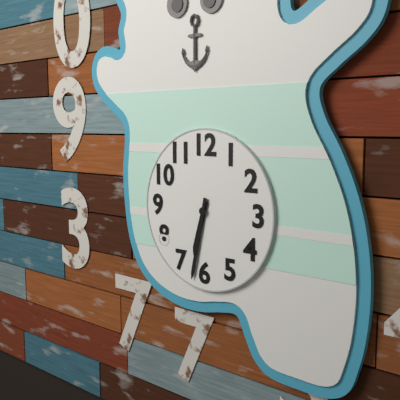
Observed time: 6.32
